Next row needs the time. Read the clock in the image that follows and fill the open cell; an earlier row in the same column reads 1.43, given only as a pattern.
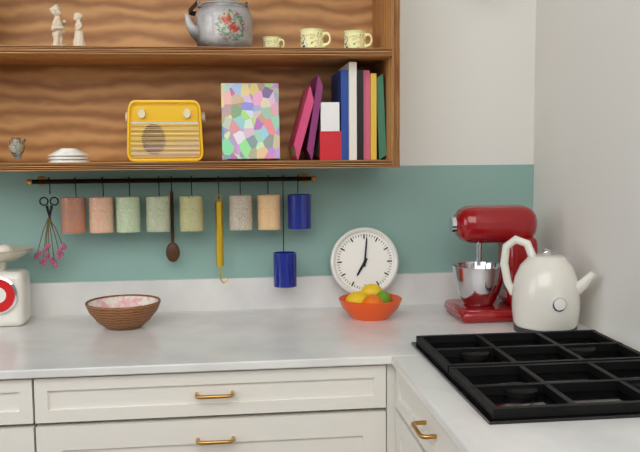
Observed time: 7.01
